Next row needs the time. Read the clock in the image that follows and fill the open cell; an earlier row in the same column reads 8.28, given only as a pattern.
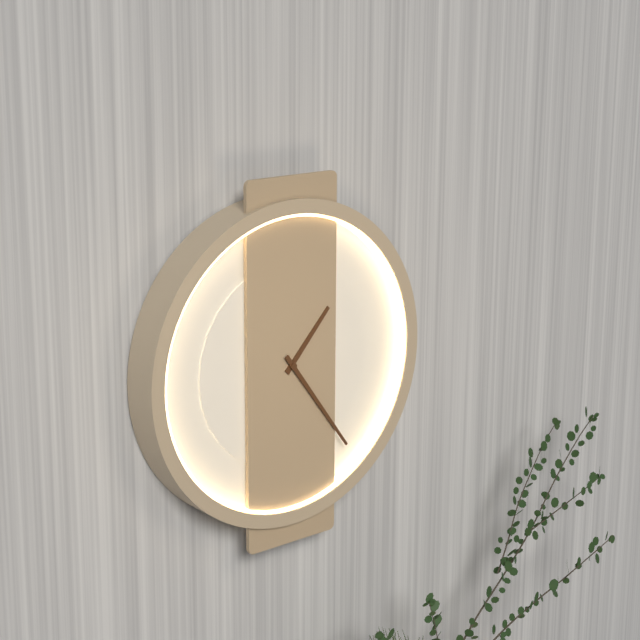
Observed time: 1.24
